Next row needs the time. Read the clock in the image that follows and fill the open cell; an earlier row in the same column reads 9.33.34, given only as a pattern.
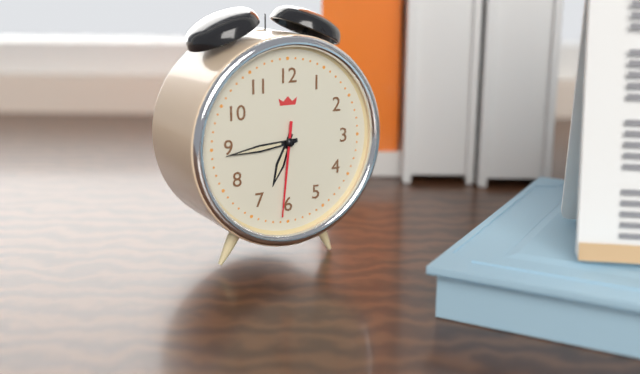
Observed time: 6.44.31
